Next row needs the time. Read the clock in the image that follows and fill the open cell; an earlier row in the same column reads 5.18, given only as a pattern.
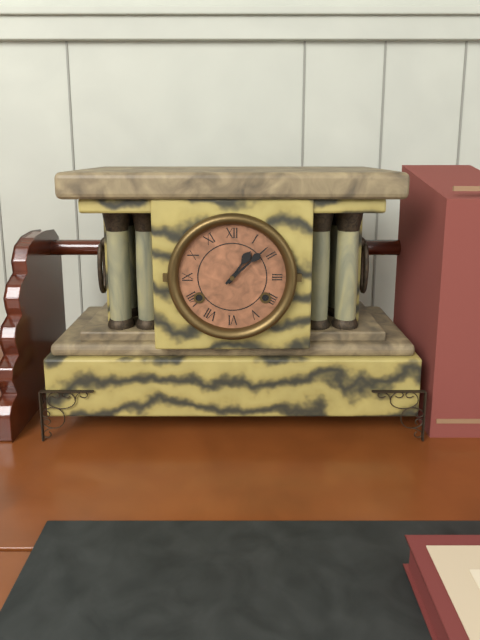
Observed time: 1.08
